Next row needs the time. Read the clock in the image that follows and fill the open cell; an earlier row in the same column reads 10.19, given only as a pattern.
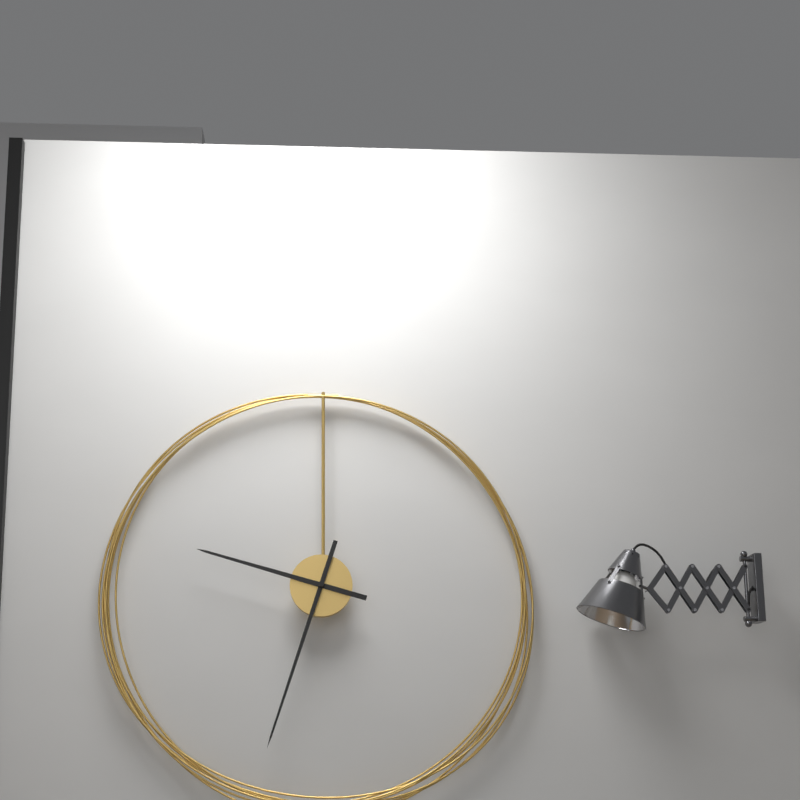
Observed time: 9.33
